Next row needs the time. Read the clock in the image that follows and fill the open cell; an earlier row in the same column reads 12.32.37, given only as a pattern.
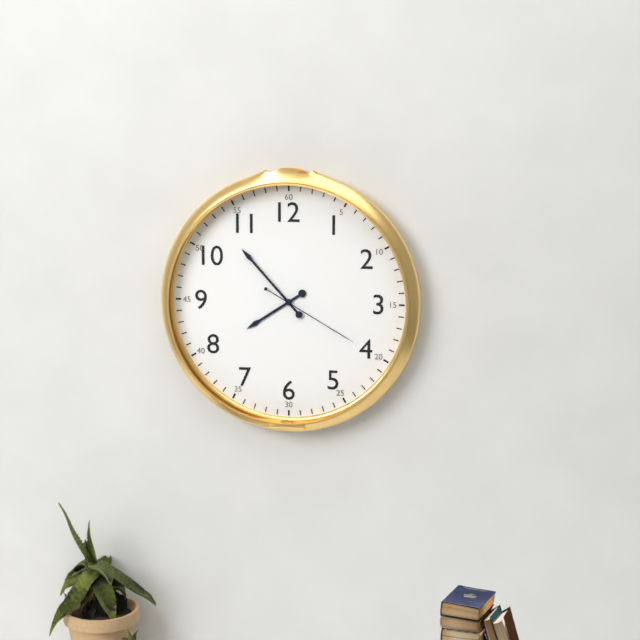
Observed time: 7.53.20
